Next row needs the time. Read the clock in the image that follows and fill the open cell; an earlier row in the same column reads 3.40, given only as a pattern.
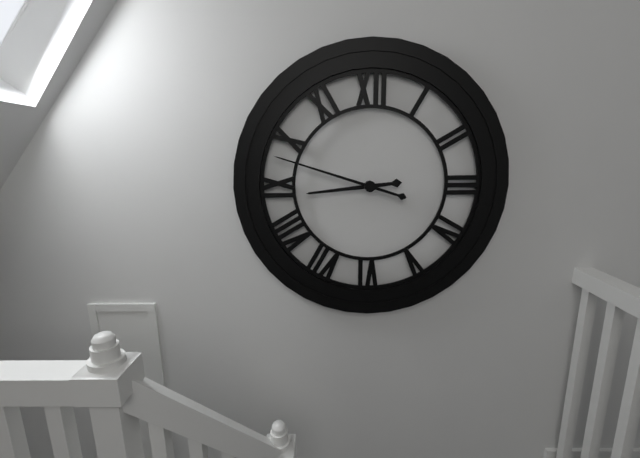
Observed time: 8.48
